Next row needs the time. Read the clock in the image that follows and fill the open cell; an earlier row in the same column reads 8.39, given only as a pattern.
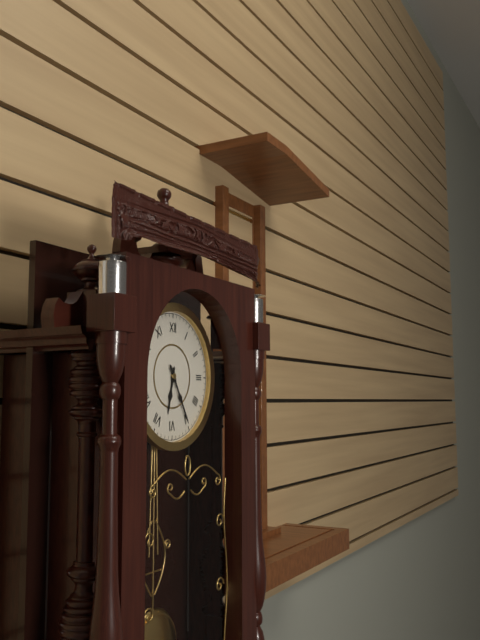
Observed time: 6.25
